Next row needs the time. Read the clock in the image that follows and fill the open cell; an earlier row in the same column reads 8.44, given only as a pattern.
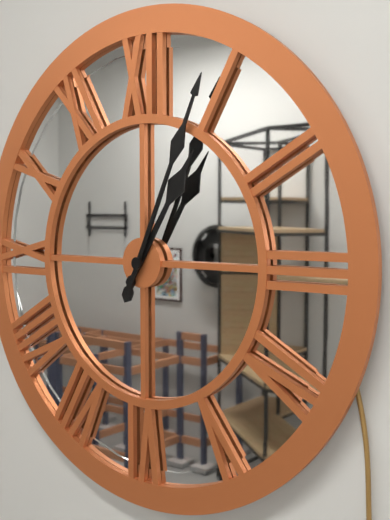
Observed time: 1.04
